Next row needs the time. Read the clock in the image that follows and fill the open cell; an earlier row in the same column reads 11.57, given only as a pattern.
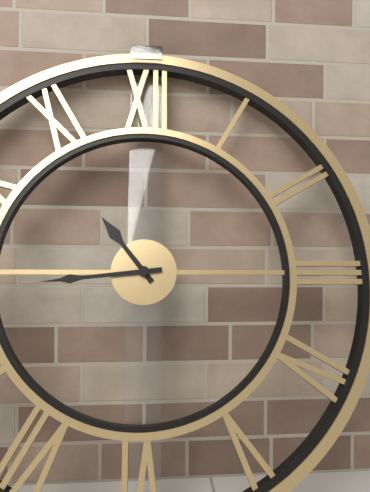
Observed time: 10.44
